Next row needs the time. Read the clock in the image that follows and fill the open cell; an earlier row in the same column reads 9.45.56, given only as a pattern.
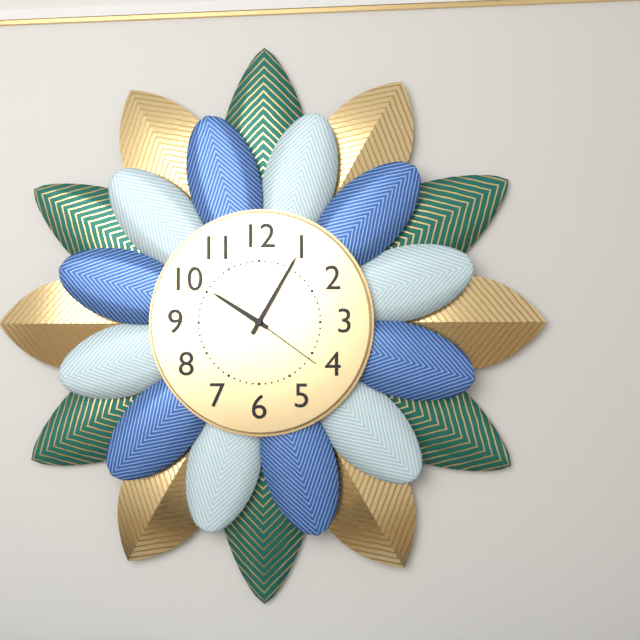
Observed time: 10.05.21
